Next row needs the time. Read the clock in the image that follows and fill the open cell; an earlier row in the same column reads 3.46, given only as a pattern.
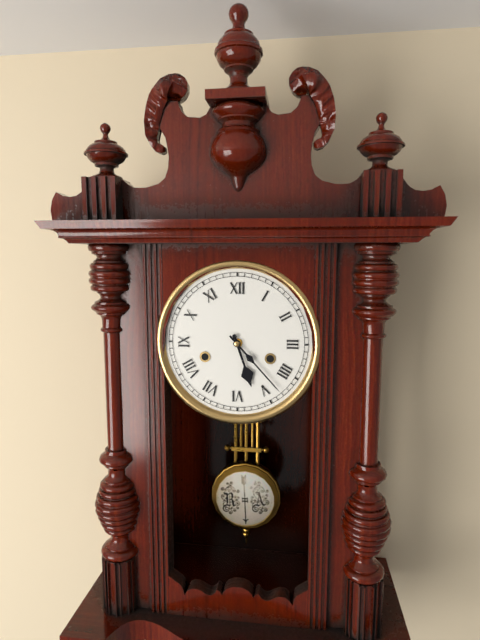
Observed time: 5.23
